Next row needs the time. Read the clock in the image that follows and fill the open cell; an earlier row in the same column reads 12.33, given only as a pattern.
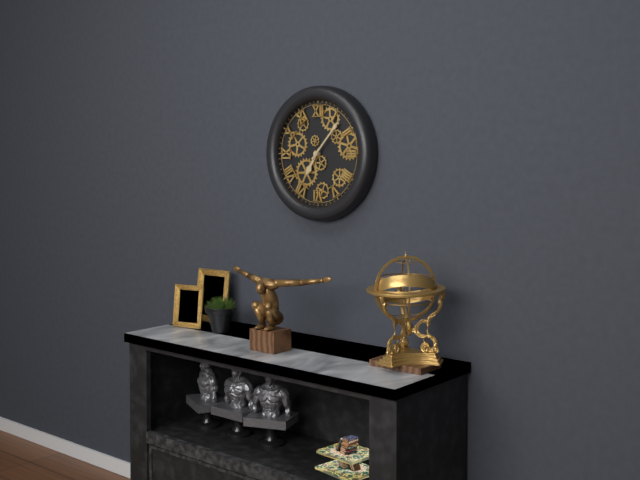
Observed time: 7.07
